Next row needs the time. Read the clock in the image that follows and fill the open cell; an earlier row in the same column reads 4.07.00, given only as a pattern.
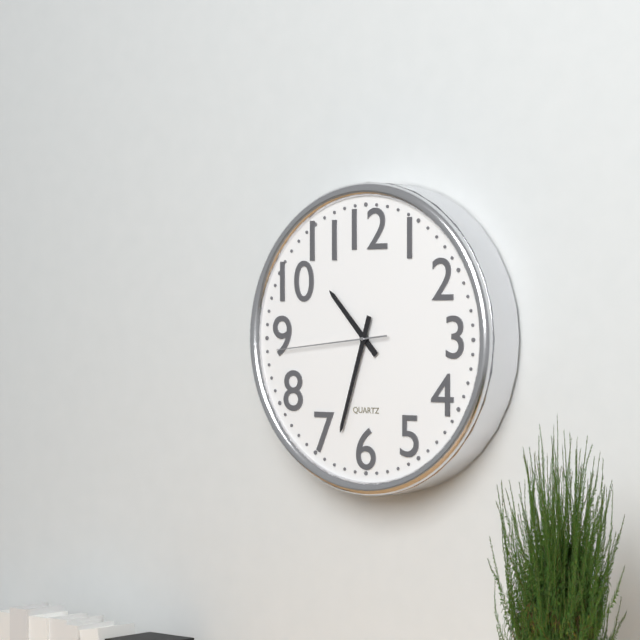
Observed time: 10.33.44
